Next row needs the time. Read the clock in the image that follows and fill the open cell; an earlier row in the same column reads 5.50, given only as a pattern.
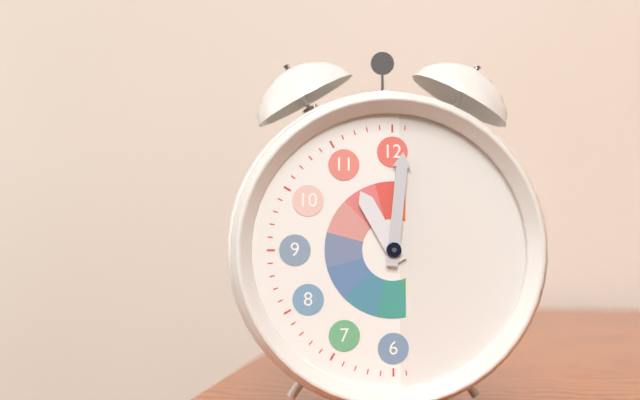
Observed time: 11.01
